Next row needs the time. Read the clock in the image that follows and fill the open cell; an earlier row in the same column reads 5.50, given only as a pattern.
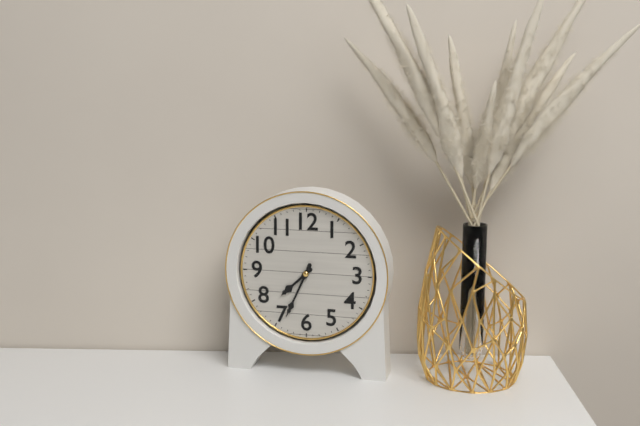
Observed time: 7.34
